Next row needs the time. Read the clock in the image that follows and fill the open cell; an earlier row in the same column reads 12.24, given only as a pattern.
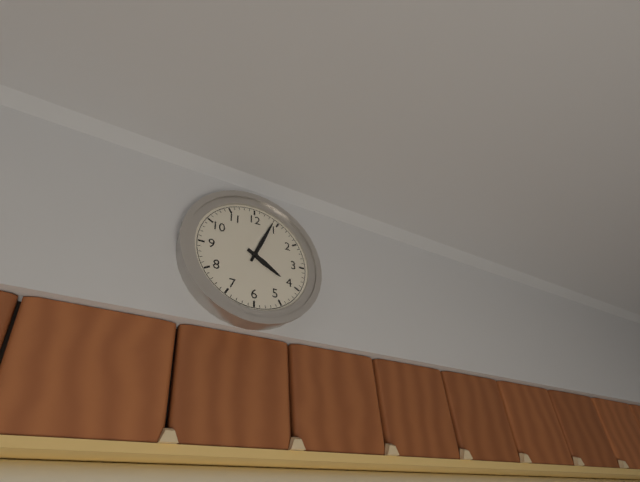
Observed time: 4.04
